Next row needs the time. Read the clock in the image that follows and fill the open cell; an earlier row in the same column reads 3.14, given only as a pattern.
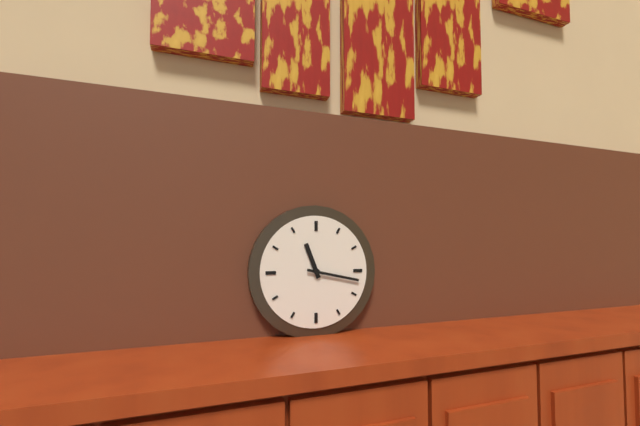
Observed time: 11.17
